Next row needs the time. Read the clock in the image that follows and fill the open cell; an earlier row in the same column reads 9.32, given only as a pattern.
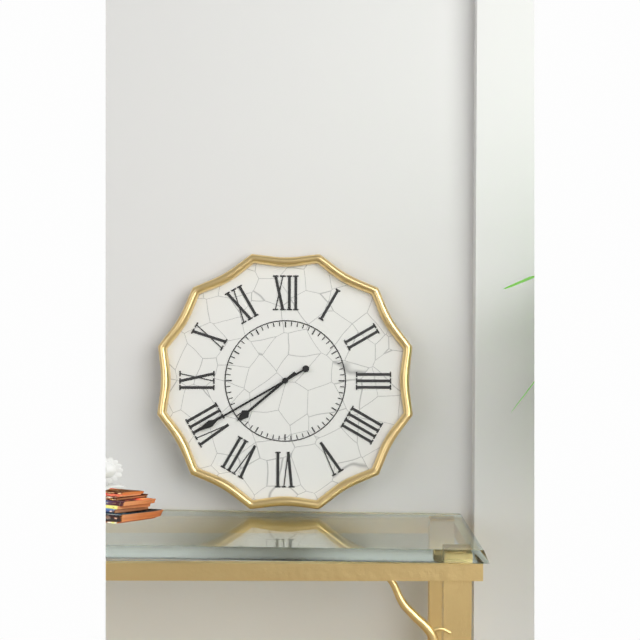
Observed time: 7.40
